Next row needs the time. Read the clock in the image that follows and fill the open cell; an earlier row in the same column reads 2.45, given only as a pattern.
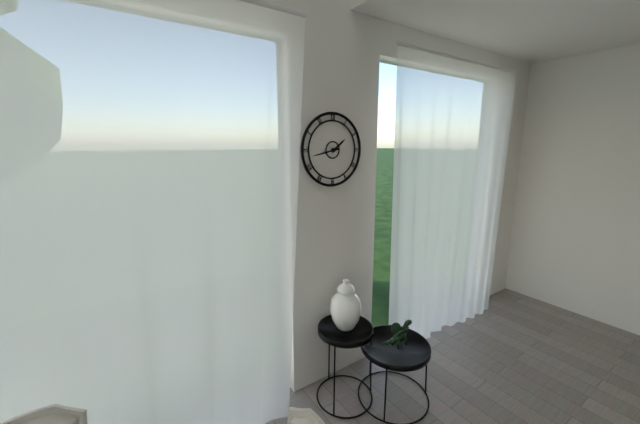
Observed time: 1.43
